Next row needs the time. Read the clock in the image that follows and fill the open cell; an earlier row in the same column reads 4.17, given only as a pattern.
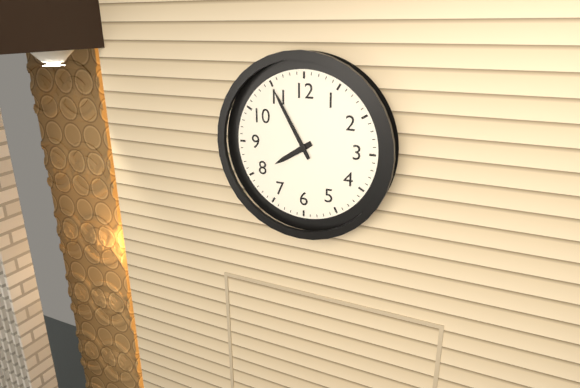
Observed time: 7.55
